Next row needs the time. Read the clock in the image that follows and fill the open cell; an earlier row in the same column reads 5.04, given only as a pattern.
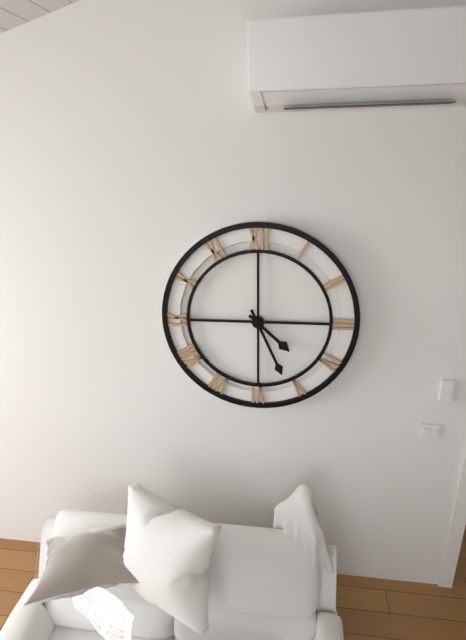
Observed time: 4.26
